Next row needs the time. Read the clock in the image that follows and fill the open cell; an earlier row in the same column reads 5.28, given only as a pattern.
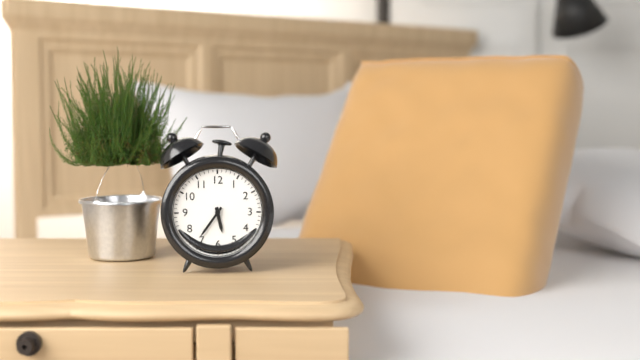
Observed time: 5.36
